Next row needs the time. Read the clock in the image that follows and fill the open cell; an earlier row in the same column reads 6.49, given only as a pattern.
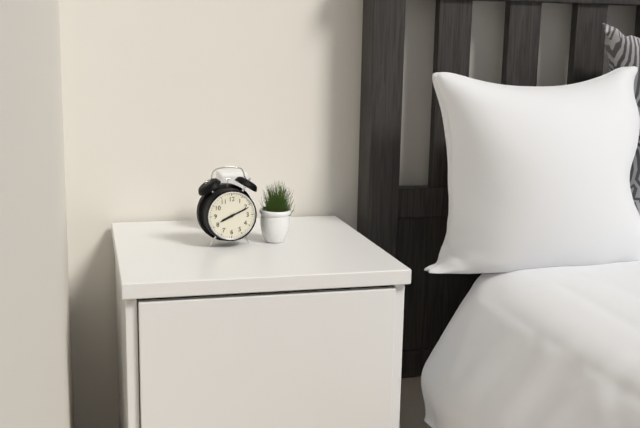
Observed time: 8.11
